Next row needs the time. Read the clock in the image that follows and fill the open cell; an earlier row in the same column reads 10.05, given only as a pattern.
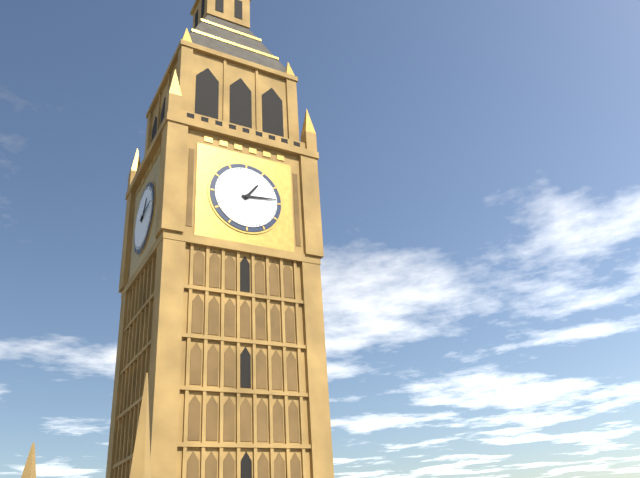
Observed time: 1.14
